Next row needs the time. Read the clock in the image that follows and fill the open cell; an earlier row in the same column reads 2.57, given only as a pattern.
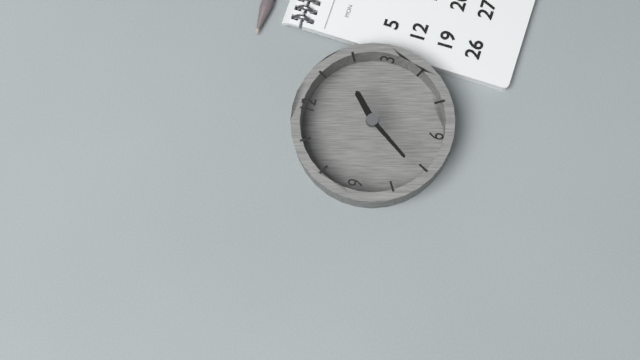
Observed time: 1.36
